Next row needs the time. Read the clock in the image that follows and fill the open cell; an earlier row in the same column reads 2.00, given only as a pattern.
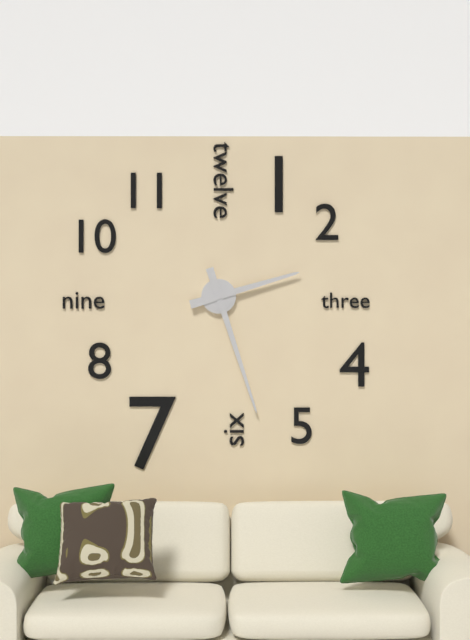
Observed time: 2.27
